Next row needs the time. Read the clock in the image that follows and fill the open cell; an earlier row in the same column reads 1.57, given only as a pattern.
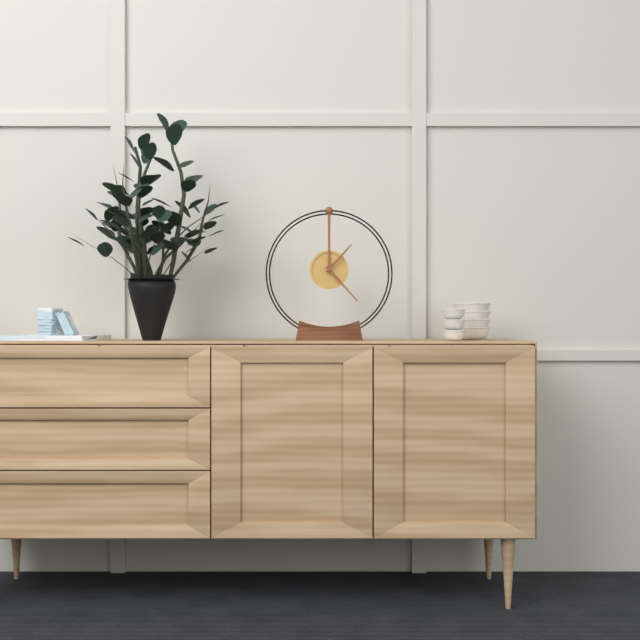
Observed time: 1.23
